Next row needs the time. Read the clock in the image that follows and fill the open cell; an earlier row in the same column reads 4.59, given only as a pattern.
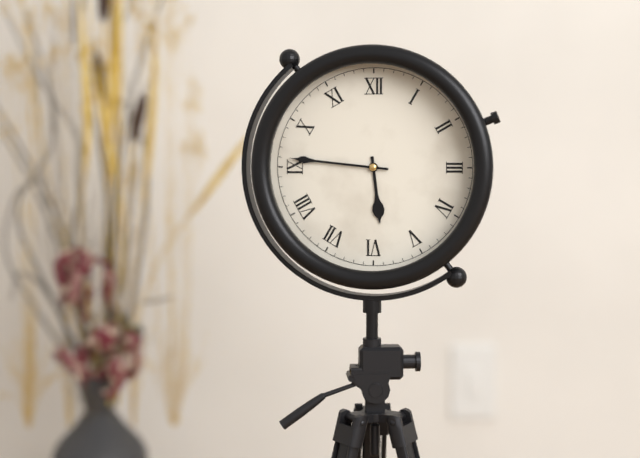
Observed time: 5.46
